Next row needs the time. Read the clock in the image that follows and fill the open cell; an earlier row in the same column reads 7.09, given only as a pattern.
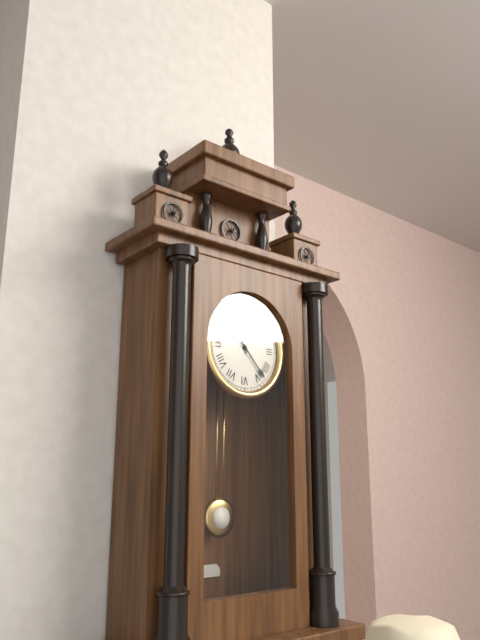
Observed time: 11.23
